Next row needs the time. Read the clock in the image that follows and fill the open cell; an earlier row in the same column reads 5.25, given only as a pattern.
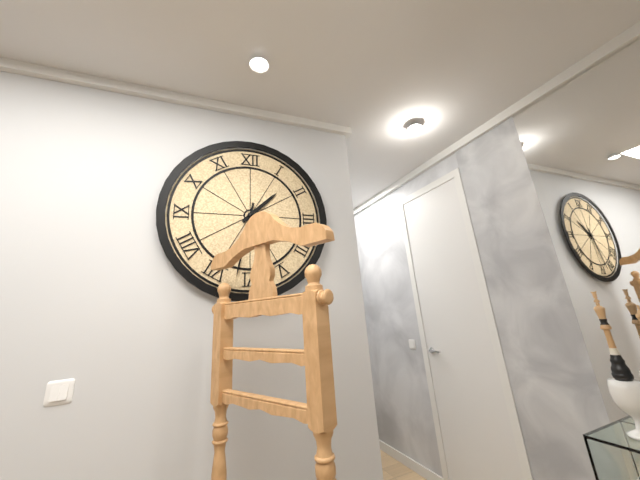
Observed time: 1.32
